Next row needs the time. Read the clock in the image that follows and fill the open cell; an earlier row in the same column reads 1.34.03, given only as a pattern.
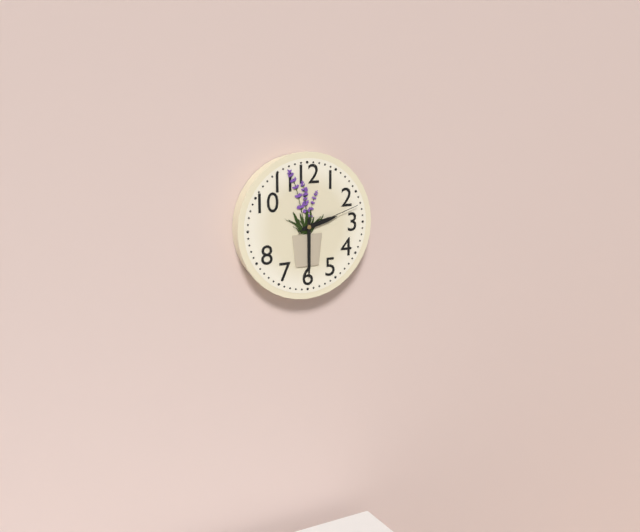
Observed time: 2.30.12
